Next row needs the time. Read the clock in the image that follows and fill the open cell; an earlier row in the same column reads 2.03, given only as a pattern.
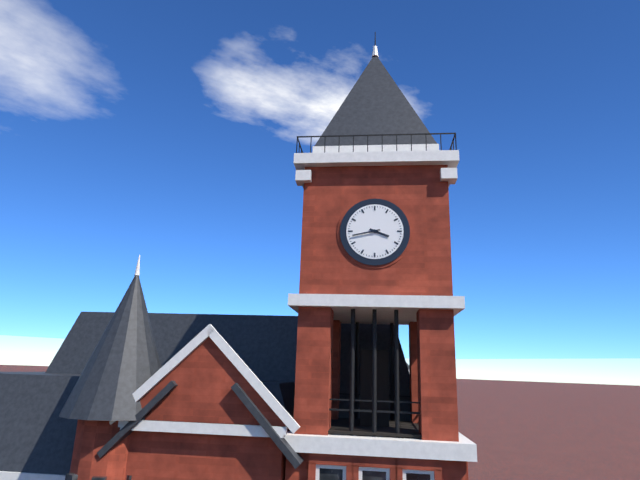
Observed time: 3.43
